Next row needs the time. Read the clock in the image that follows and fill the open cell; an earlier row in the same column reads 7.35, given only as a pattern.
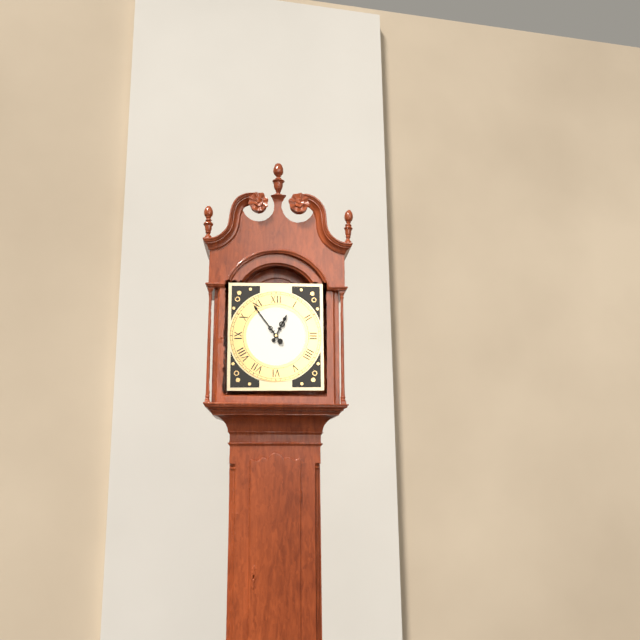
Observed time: 12.54
